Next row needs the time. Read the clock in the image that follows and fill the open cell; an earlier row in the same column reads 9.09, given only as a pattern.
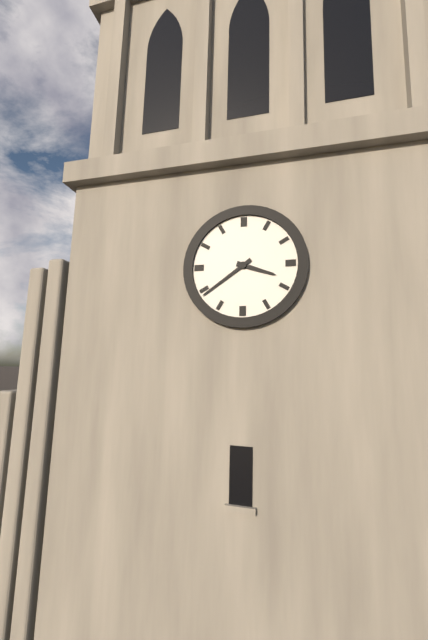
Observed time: 3.39
